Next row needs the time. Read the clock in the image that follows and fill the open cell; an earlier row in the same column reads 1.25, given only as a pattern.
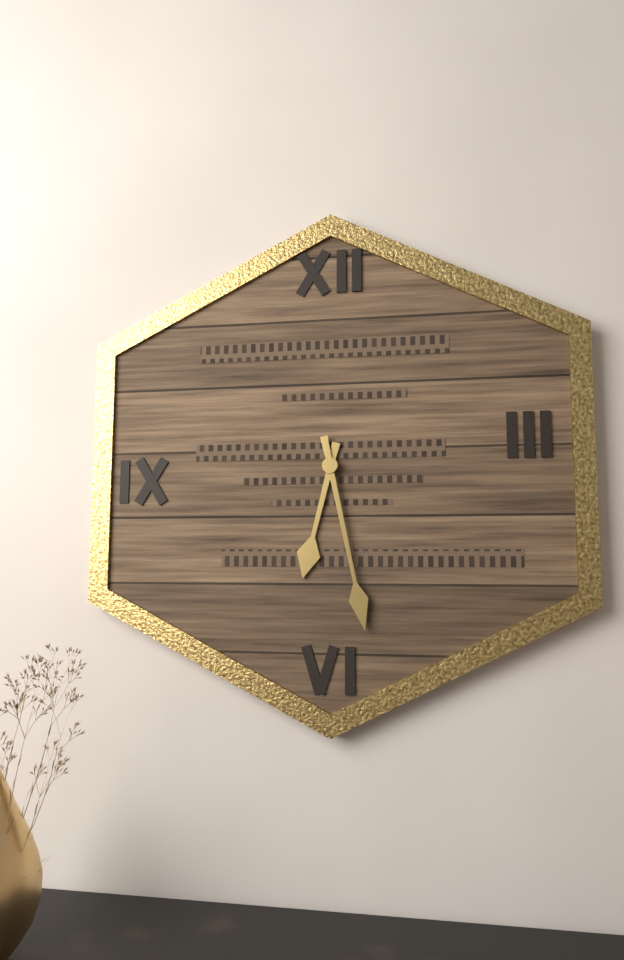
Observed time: 6.28
